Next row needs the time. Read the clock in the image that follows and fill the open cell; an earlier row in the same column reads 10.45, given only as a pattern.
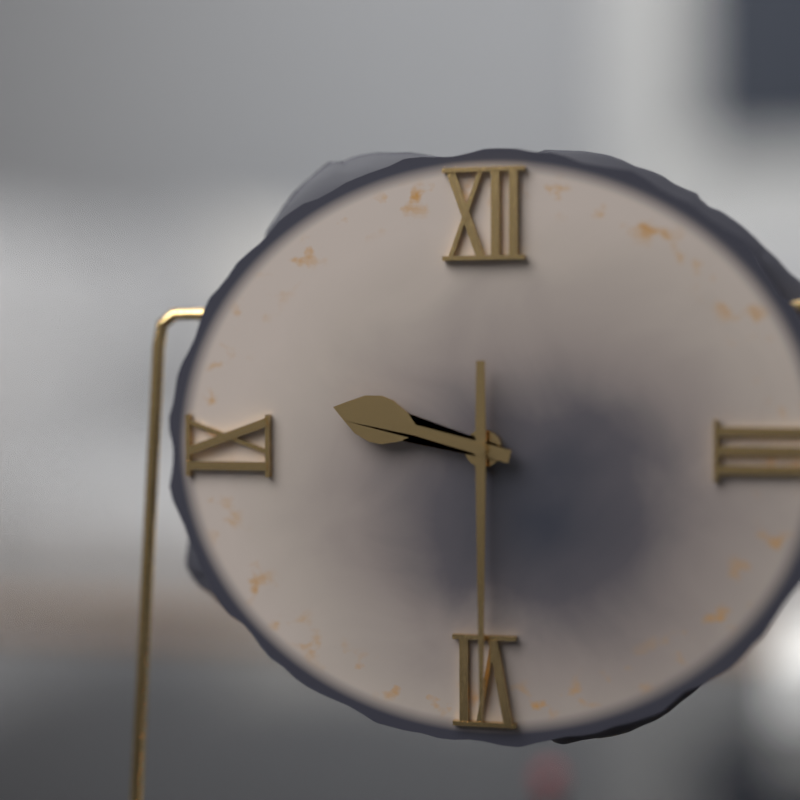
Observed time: 9.30
